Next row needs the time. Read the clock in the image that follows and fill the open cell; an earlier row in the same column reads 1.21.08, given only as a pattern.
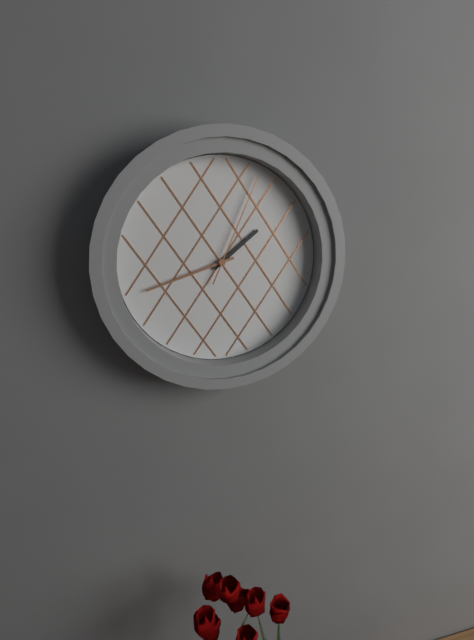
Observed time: 1.42.04
